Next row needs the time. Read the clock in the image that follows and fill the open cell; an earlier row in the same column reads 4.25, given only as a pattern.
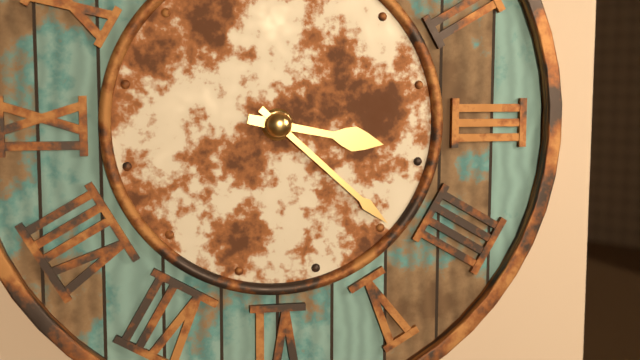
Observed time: 3.22
